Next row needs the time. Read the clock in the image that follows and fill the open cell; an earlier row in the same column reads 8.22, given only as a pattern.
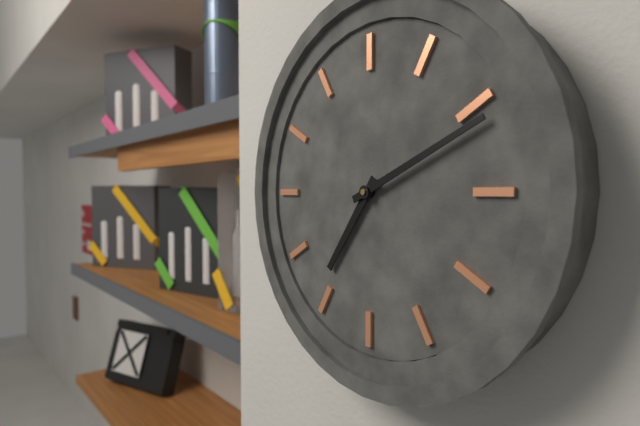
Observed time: 7.11
